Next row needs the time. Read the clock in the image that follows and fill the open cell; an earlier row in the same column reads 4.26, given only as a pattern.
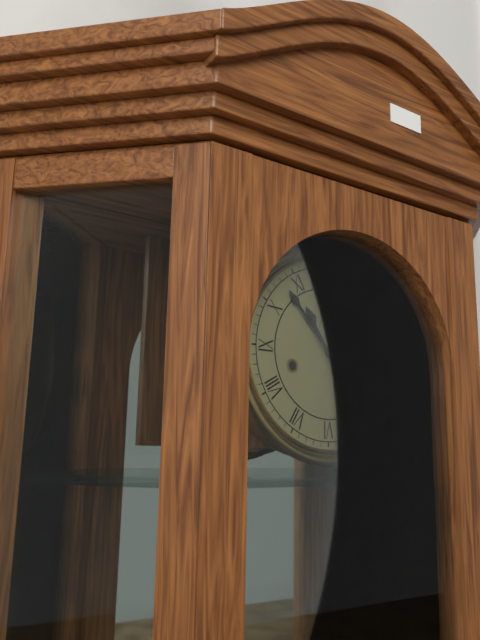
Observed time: 10.53
